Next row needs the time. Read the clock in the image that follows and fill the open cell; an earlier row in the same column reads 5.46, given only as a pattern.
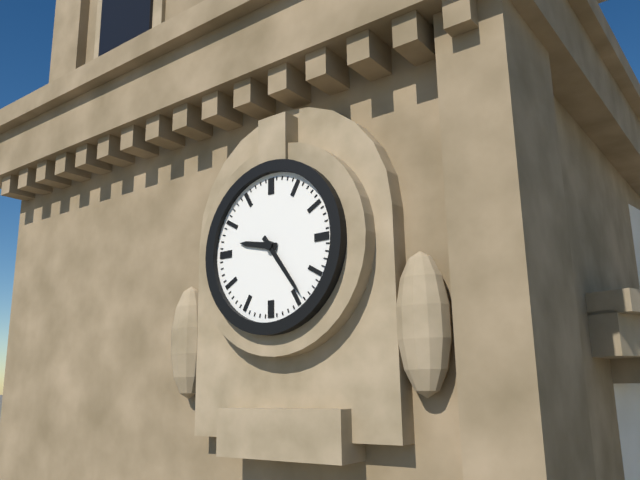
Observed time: 9.24
